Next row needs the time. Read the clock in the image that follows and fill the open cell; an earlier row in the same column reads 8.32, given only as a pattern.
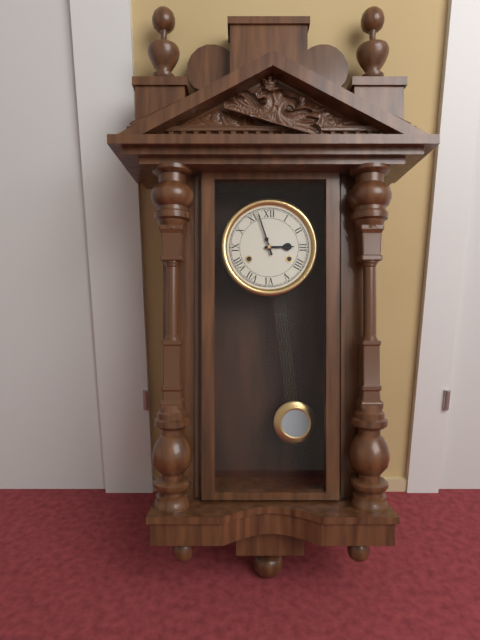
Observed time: 2.57
